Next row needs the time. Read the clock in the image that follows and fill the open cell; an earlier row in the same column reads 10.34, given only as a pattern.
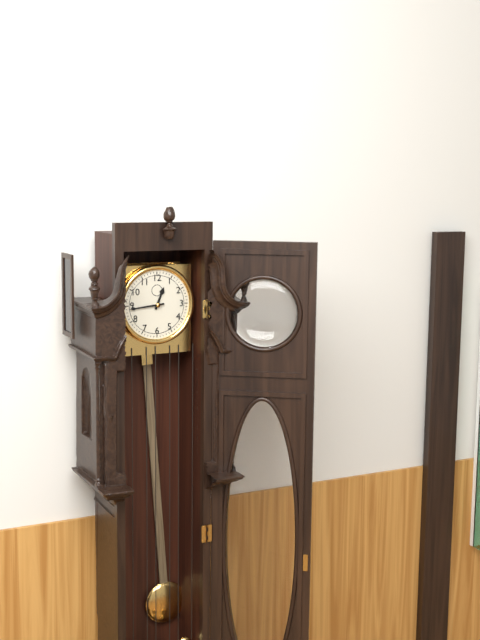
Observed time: 12.44
